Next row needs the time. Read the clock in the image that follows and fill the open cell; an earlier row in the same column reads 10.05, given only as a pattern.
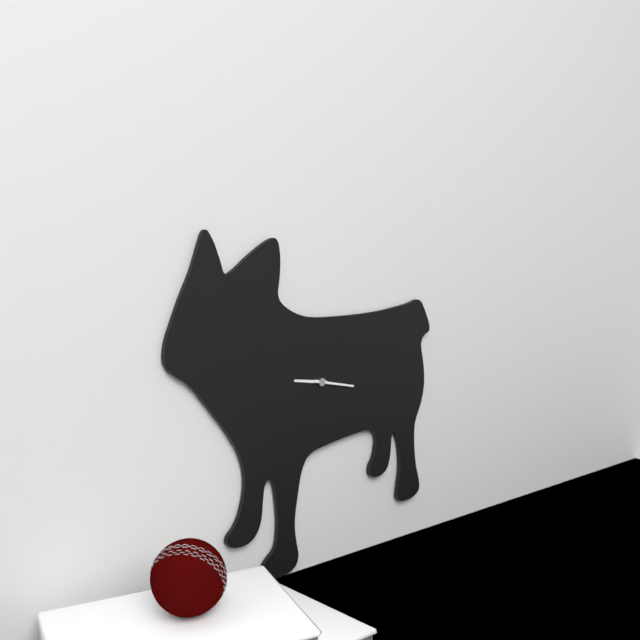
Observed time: 9.17
